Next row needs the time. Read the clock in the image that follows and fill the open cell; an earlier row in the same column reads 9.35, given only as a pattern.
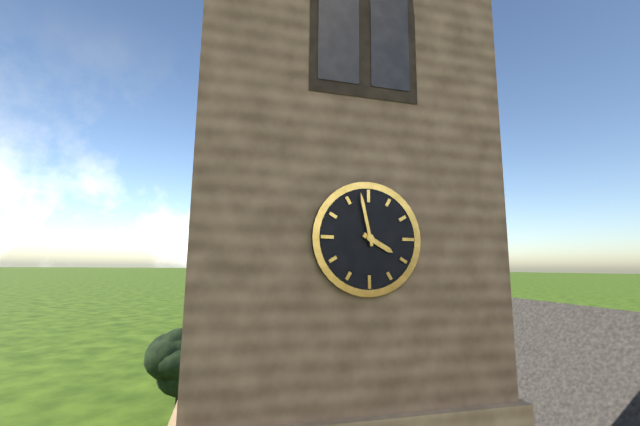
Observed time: 3.58
